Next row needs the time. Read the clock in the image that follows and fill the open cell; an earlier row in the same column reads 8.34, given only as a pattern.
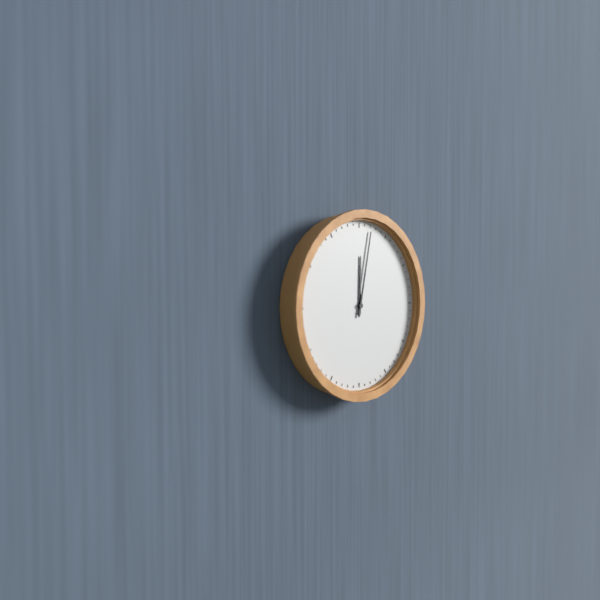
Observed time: 12.02
